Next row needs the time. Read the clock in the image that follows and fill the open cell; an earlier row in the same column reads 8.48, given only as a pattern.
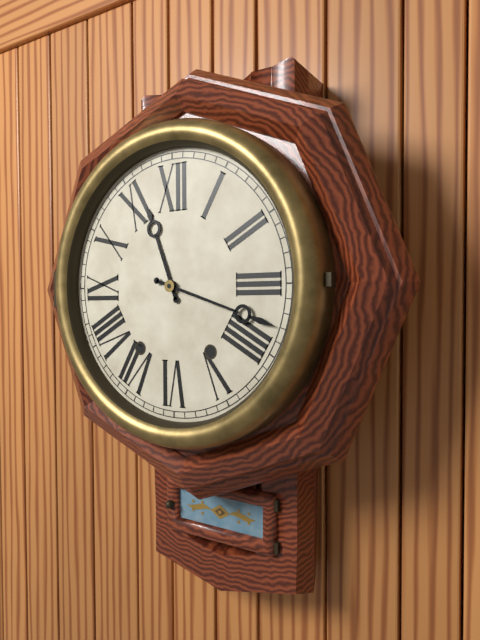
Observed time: 11.18
